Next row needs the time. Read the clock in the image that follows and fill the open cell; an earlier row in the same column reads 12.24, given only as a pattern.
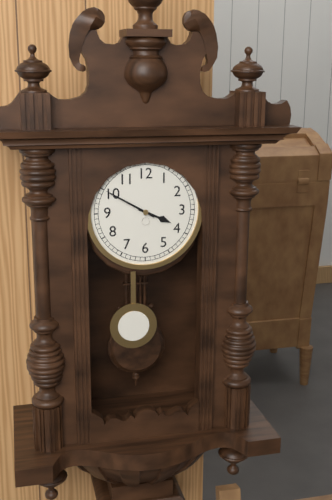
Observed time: 3.50
